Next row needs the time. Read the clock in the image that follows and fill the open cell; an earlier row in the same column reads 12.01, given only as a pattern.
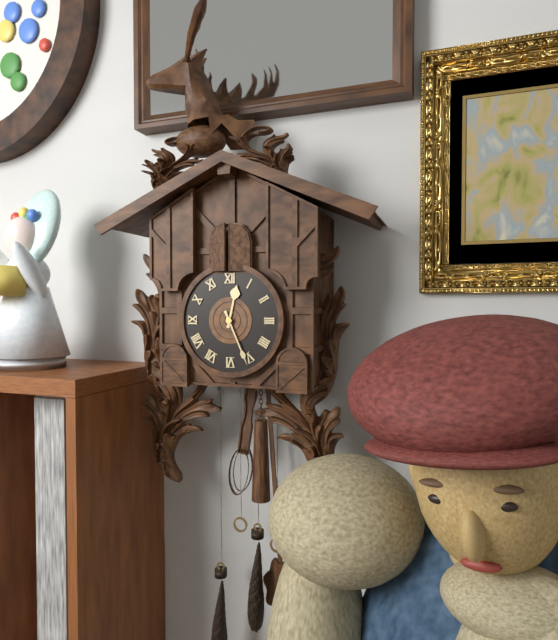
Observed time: 12.26
